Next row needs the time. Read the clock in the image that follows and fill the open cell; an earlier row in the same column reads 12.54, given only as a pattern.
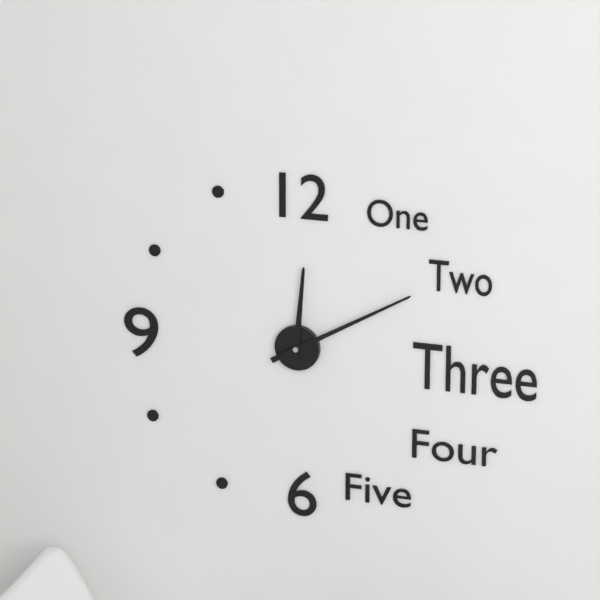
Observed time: 12.10
